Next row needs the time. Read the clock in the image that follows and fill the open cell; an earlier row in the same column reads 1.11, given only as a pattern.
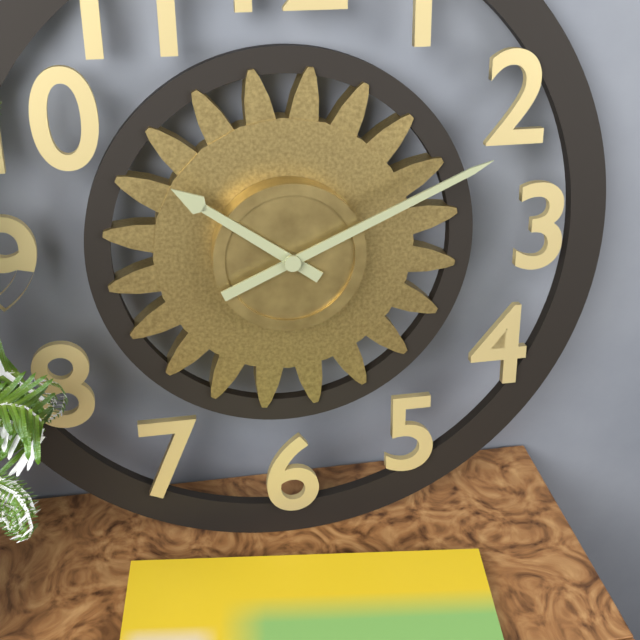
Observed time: 10.11
